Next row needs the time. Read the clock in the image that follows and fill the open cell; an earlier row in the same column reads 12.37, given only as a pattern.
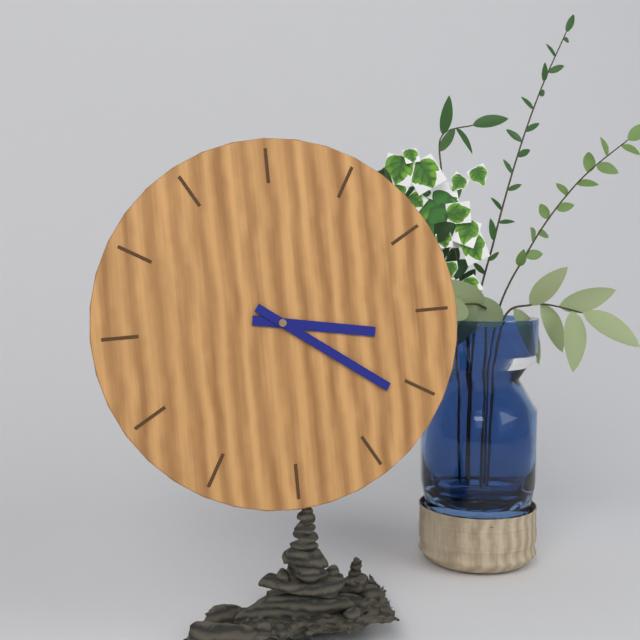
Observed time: 3.21
